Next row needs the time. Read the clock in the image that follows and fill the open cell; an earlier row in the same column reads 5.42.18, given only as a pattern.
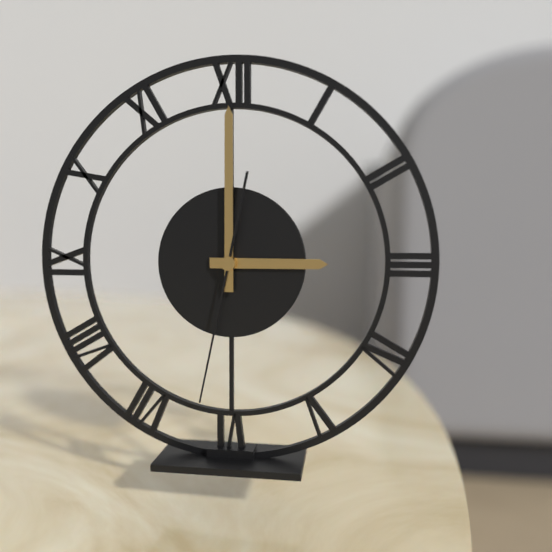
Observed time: 3.00.32
